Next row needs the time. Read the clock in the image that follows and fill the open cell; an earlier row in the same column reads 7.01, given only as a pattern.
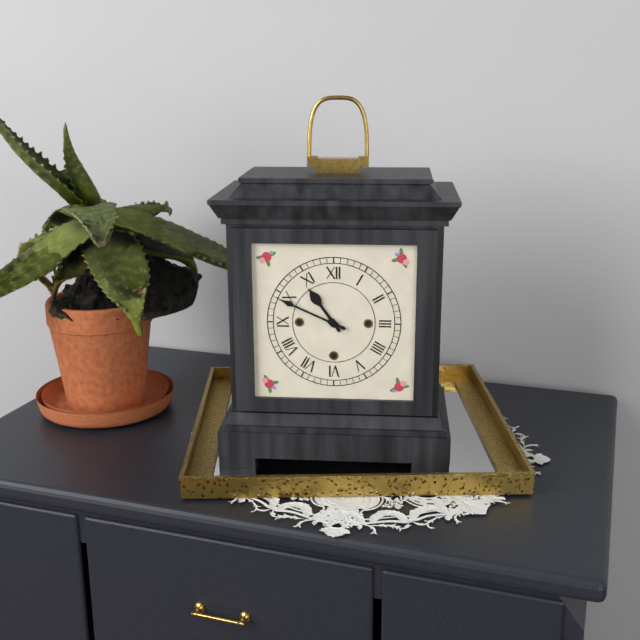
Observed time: 10.49
